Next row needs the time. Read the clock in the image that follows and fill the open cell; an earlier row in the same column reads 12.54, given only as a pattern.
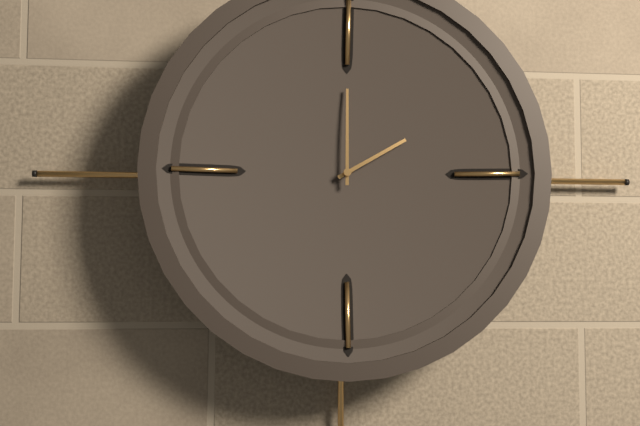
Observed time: 2.00
